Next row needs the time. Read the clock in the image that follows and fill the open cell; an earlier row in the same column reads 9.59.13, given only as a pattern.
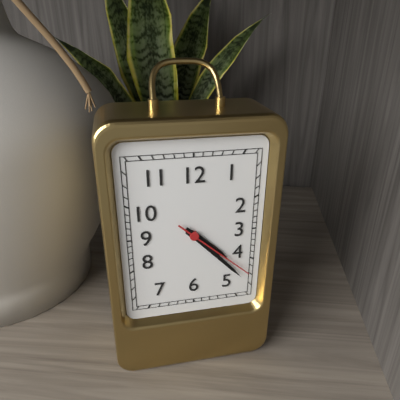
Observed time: 4.23.22
